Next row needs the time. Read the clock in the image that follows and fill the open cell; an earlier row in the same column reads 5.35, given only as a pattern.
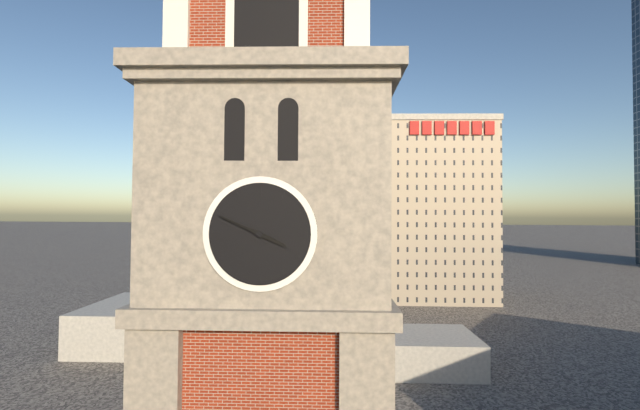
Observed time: 3.49
